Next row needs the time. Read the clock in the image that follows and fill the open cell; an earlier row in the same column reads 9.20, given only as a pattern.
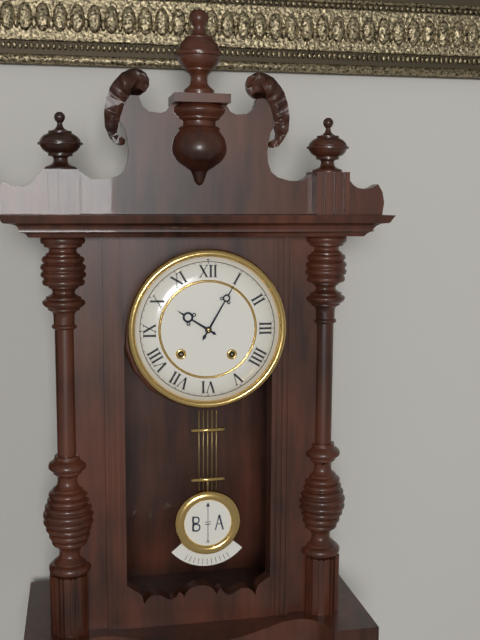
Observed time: 10.05
